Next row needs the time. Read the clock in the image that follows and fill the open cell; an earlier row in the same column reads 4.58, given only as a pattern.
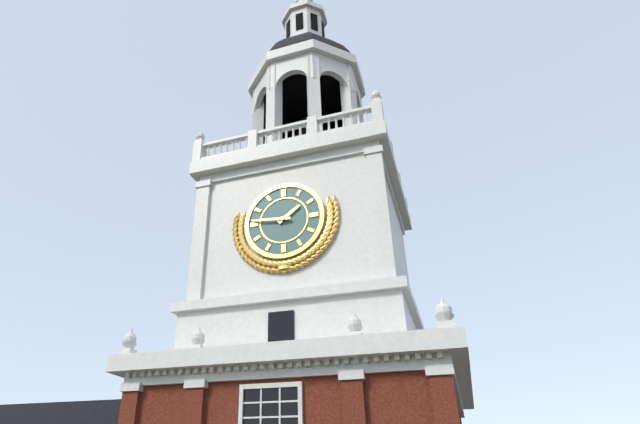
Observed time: 1.46
